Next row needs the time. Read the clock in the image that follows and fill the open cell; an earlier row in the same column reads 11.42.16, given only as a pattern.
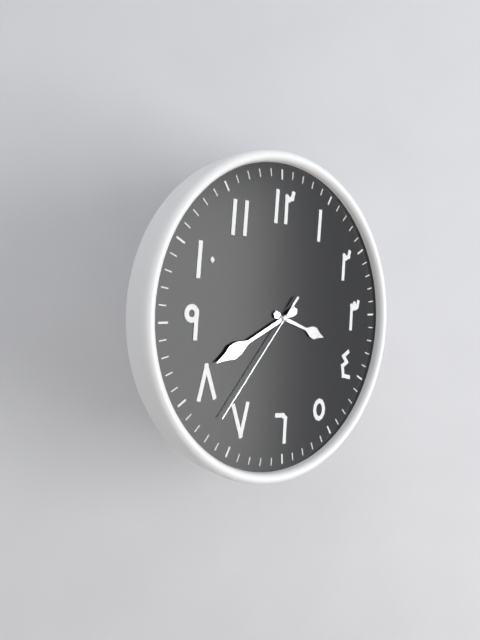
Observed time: 3.41.37
